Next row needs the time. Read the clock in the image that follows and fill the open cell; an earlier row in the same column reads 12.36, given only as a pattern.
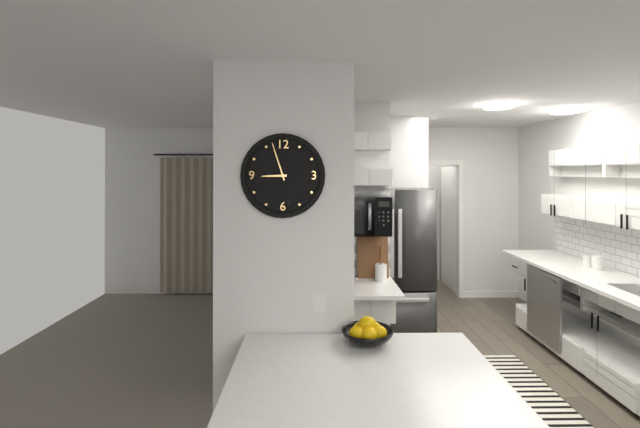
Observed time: 8.57
